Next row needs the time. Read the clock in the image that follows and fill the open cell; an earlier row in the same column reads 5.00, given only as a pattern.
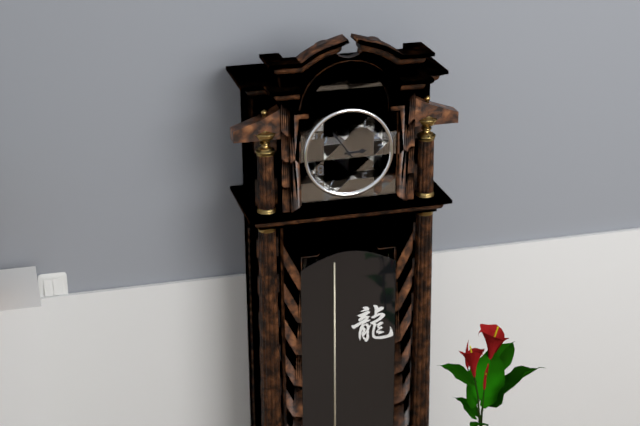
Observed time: 2.54
